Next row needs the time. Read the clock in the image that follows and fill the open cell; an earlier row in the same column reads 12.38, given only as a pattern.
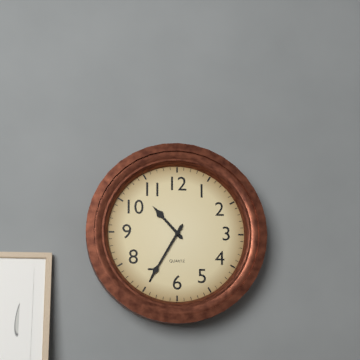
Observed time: 10.35
